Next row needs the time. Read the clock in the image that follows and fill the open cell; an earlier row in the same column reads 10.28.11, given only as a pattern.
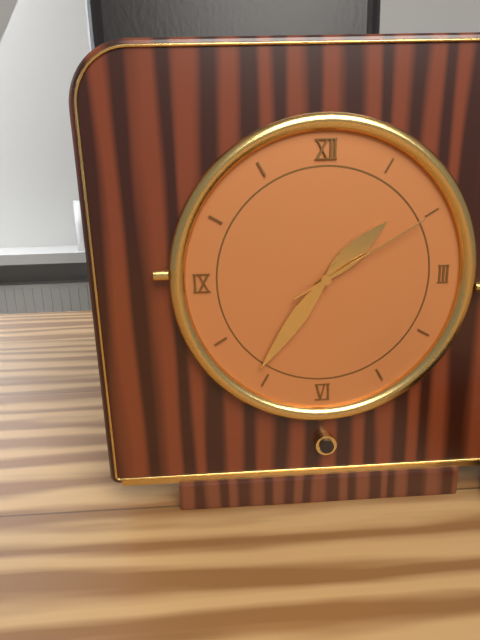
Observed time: 1.36.10
